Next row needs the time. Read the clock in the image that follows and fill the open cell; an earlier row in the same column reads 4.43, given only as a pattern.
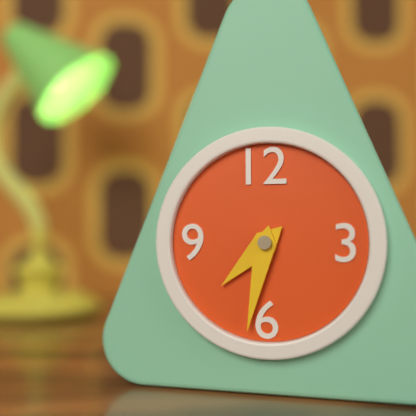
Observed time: 7.32
